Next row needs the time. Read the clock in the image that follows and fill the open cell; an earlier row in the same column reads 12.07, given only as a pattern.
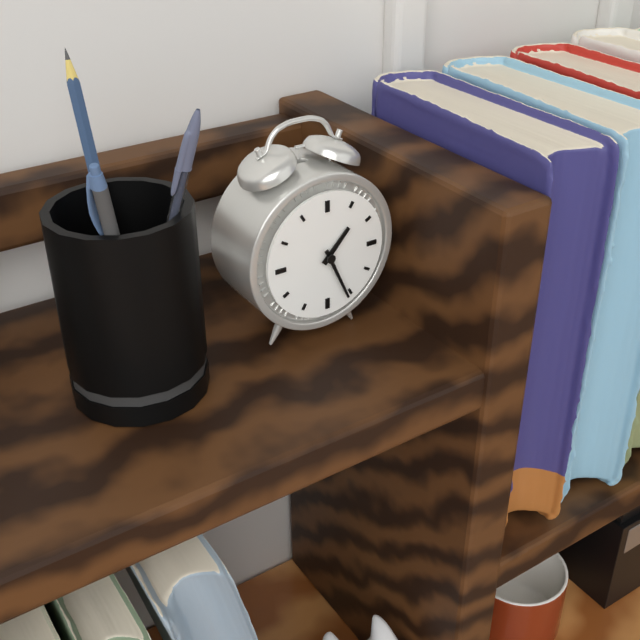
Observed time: 1.26
